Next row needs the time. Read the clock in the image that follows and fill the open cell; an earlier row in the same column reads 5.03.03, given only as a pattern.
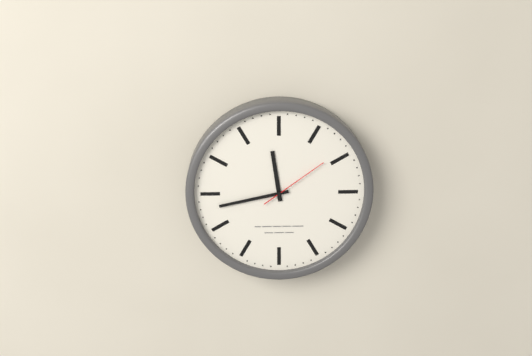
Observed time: 11.43.09
